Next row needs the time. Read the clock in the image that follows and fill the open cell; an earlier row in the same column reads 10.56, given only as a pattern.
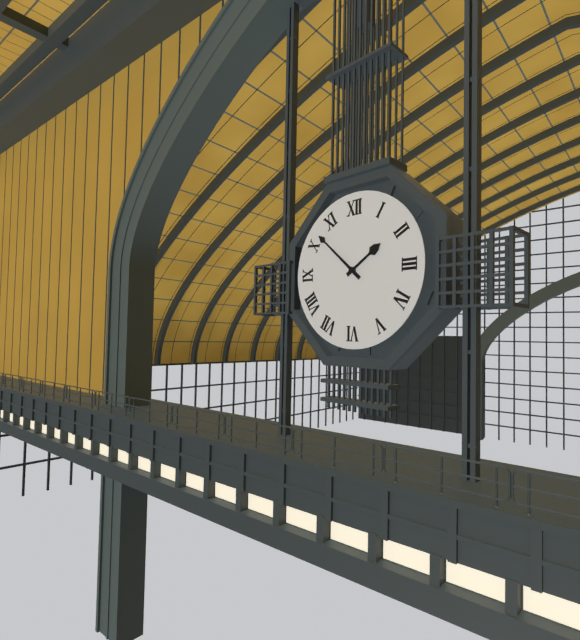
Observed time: 1.52
